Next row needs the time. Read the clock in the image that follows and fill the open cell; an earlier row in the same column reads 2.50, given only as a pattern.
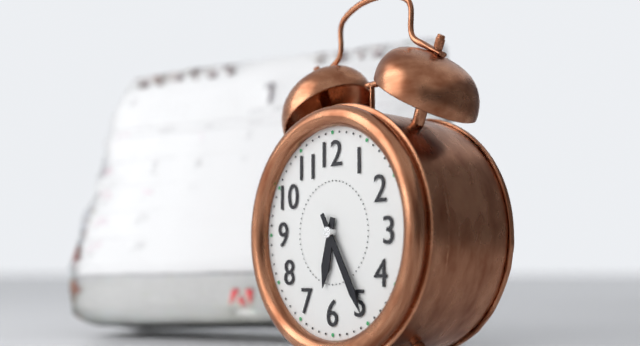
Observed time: 6.25
